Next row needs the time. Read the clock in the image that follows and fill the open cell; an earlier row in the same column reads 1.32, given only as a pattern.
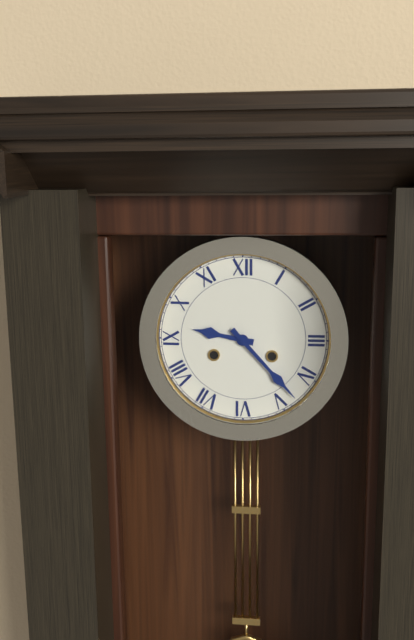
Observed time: 9.23
